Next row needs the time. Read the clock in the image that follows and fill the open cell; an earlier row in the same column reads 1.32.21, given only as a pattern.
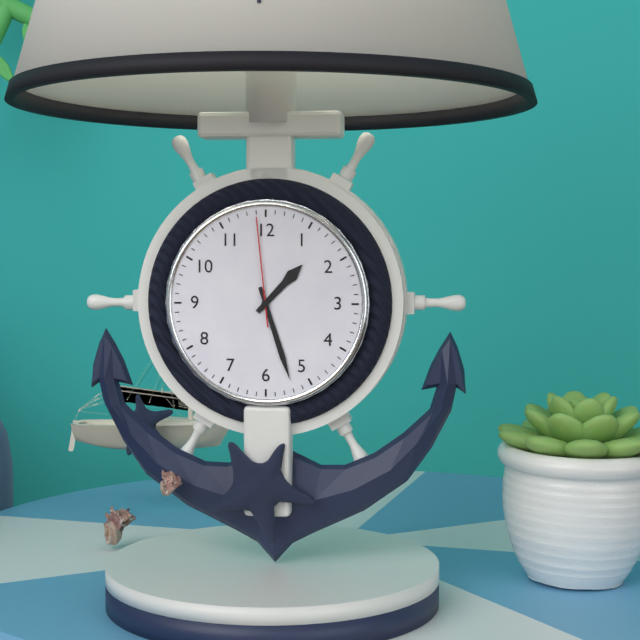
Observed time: 1.27.59
